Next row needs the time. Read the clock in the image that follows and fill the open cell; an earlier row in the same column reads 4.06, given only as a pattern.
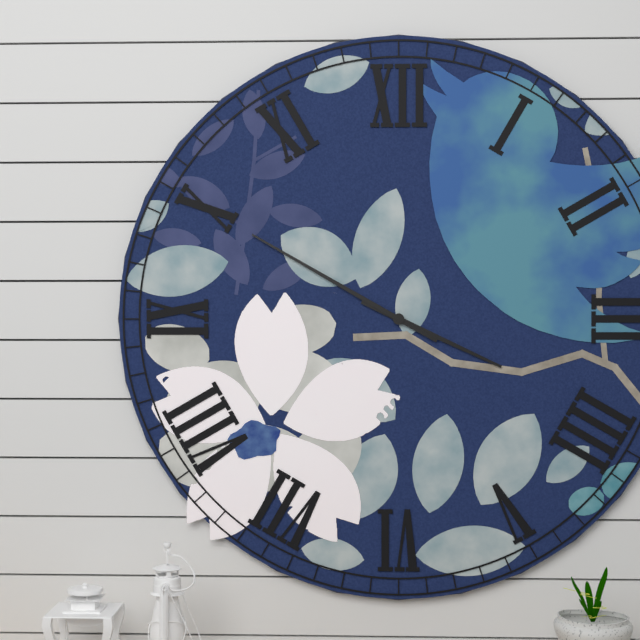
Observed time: 3.50
